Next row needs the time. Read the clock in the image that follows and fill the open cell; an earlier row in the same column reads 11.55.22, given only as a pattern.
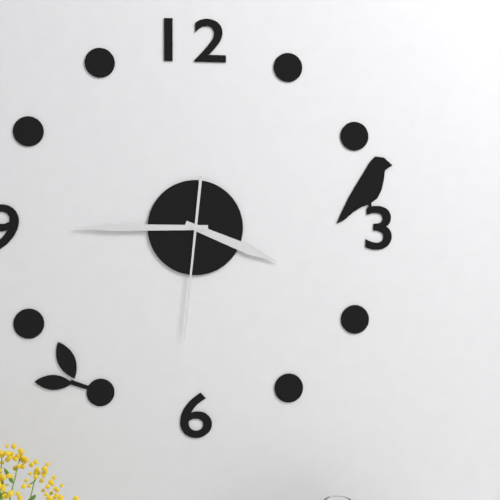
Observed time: 3.45.31
